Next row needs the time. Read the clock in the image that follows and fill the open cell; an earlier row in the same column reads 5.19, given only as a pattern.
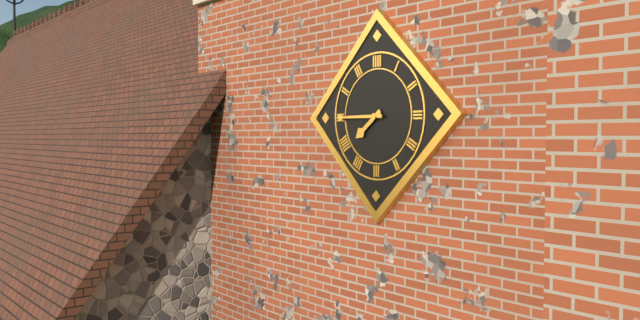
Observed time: 7.45
